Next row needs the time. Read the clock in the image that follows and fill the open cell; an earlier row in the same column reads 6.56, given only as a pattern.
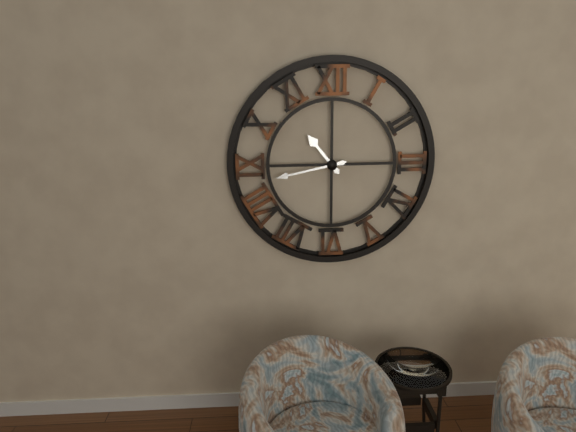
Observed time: 10.43
